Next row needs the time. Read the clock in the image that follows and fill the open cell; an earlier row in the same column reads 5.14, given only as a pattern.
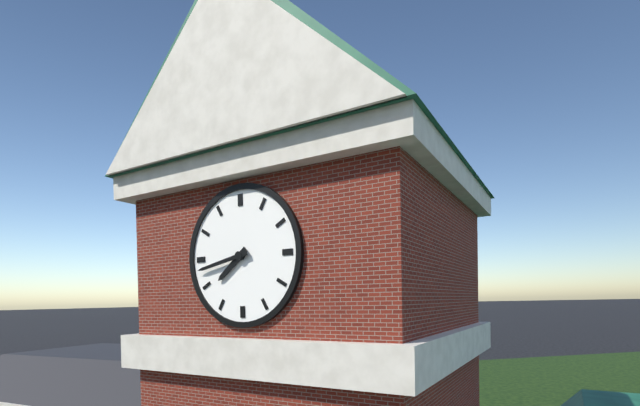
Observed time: 7.43
